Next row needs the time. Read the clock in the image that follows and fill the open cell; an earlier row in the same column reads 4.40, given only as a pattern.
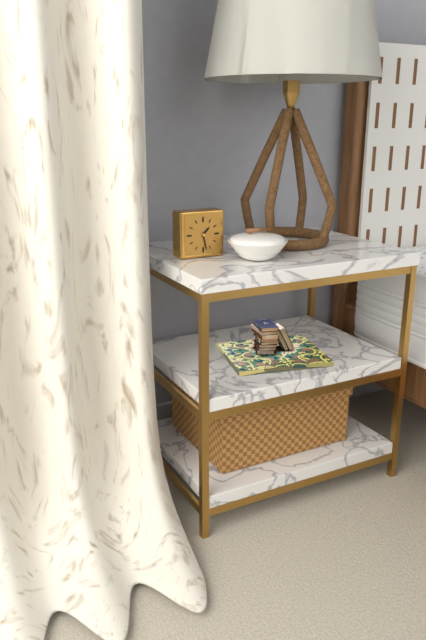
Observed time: 1.28
